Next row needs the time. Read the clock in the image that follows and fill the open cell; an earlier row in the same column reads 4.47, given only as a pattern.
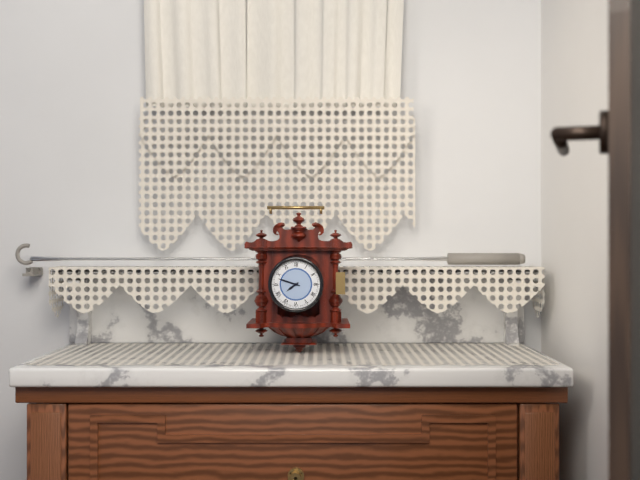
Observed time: 7.48
